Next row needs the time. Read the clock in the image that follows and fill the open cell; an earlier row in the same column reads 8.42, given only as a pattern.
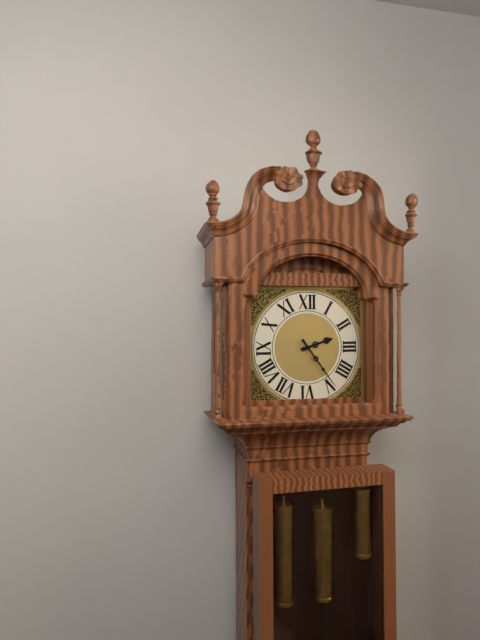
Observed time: 2.24
